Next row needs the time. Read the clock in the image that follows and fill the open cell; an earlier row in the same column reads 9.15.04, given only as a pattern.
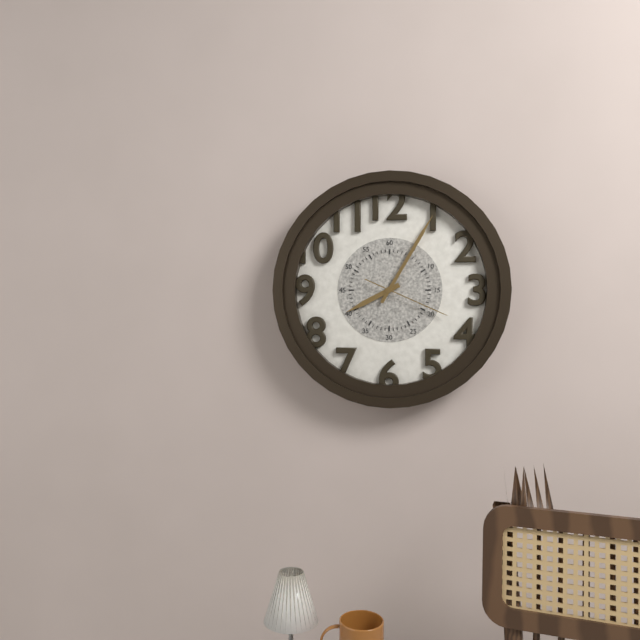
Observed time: 8.05.19
